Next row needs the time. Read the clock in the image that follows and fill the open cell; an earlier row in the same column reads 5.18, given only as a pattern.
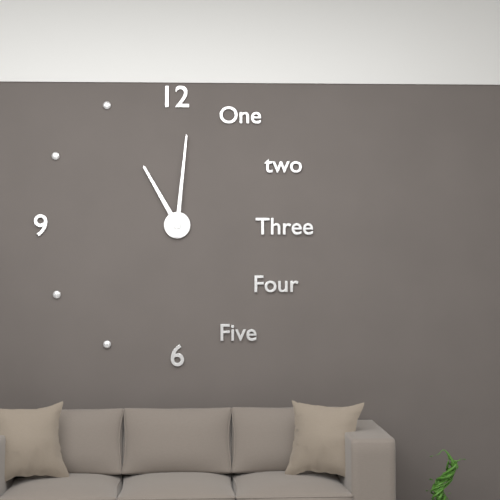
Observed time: 11.01
